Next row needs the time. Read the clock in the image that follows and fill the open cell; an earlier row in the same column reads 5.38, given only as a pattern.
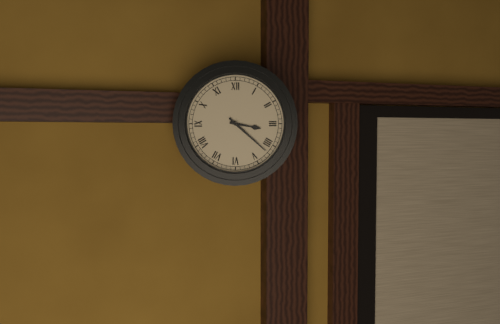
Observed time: 3.22
